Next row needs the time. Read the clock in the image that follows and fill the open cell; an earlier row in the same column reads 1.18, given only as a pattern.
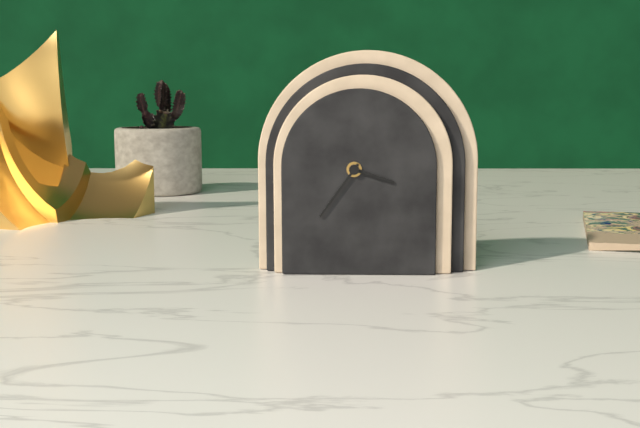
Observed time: 3.36
